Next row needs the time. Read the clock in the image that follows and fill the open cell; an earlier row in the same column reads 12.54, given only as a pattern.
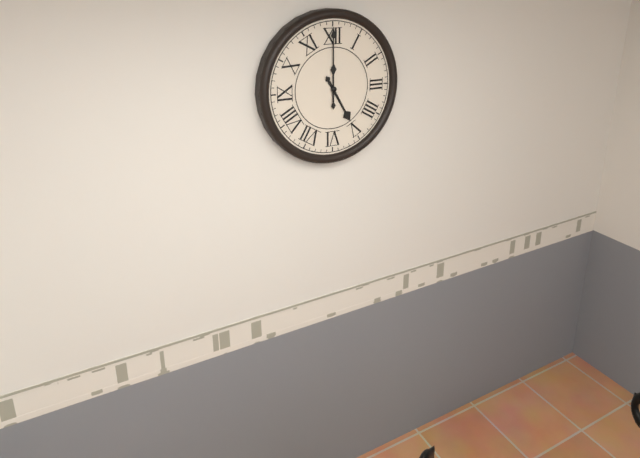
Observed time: 5.00
